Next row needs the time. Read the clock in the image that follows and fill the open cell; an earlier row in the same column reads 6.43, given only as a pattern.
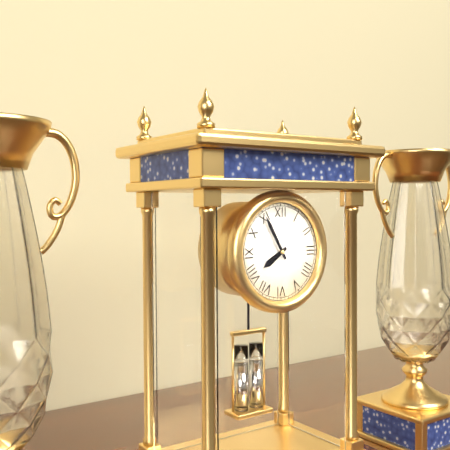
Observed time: 7.55
